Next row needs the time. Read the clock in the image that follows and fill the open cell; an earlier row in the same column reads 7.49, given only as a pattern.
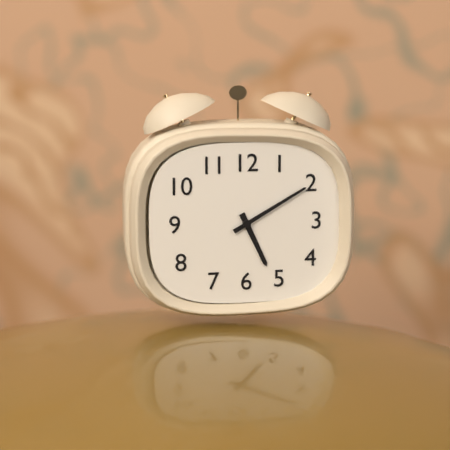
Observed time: 5.10
